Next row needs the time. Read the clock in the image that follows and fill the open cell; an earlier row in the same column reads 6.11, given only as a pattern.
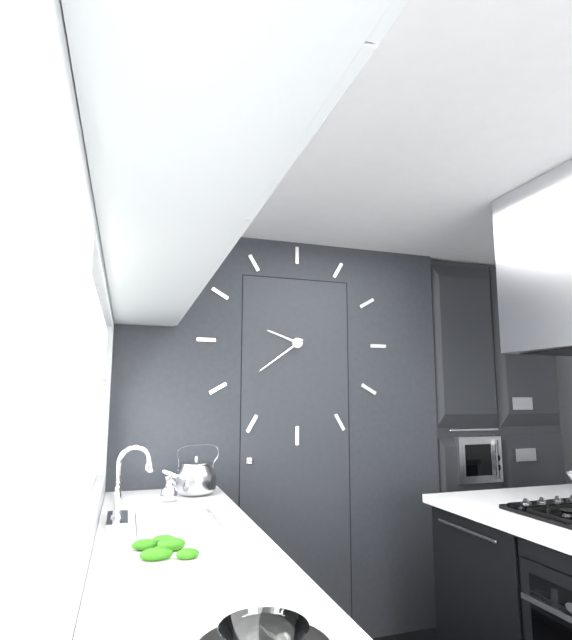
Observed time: 9.39
